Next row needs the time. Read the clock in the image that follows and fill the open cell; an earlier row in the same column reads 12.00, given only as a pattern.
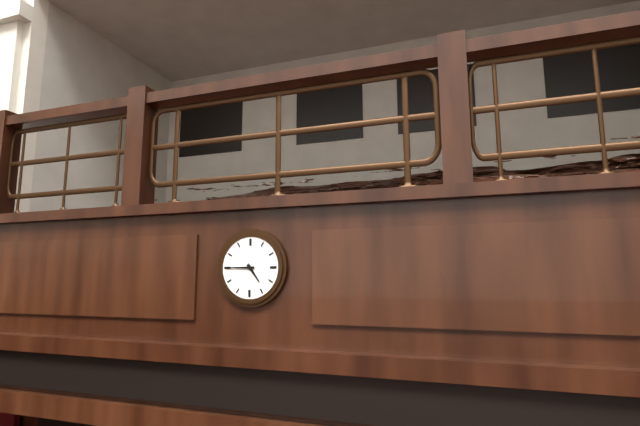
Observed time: 4.45
